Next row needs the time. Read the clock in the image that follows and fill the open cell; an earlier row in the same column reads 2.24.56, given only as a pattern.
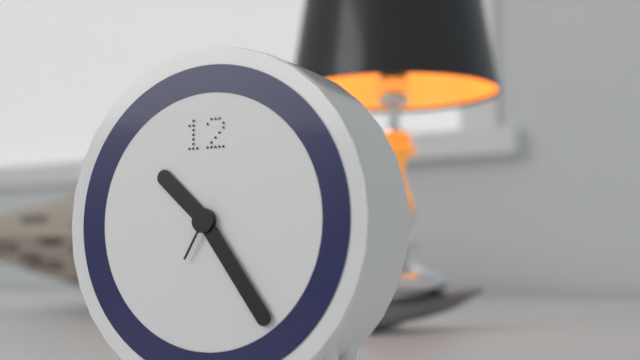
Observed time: 10.24.35
